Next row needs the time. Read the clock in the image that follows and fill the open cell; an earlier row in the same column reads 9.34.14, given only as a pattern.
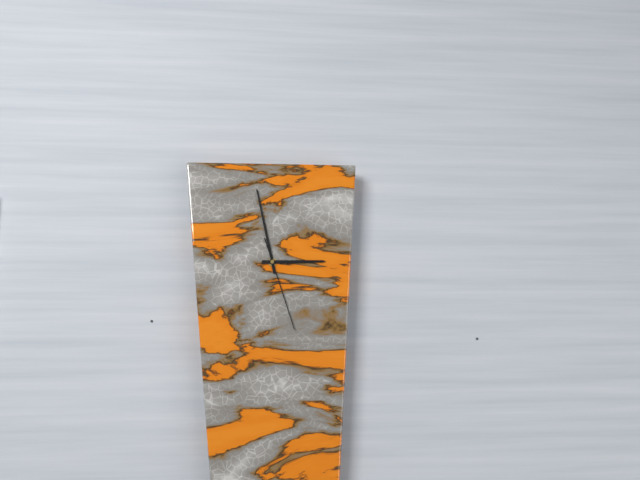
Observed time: 2.58.27
